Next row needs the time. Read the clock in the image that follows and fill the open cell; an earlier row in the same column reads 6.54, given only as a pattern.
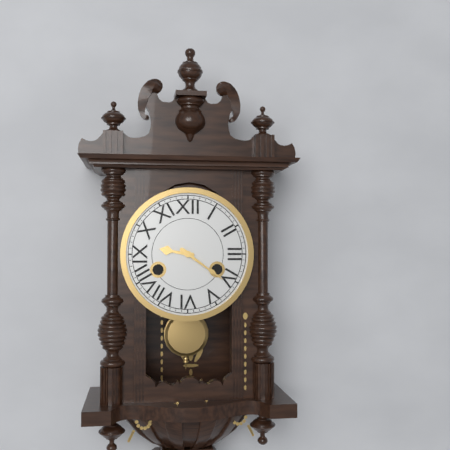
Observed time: 9.21
